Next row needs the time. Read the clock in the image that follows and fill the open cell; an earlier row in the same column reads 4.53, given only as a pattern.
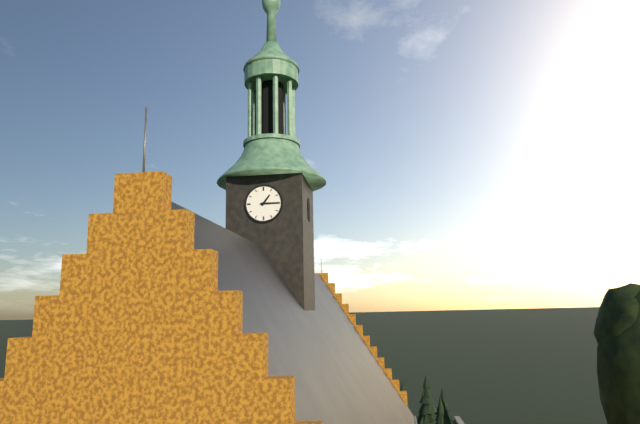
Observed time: 1.15
